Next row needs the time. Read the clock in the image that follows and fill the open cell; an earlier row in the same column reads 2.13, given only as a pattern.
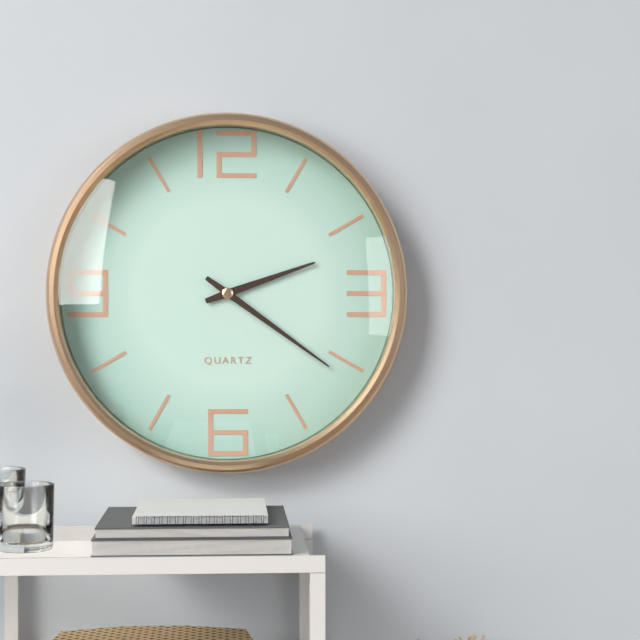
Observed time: 2.21
